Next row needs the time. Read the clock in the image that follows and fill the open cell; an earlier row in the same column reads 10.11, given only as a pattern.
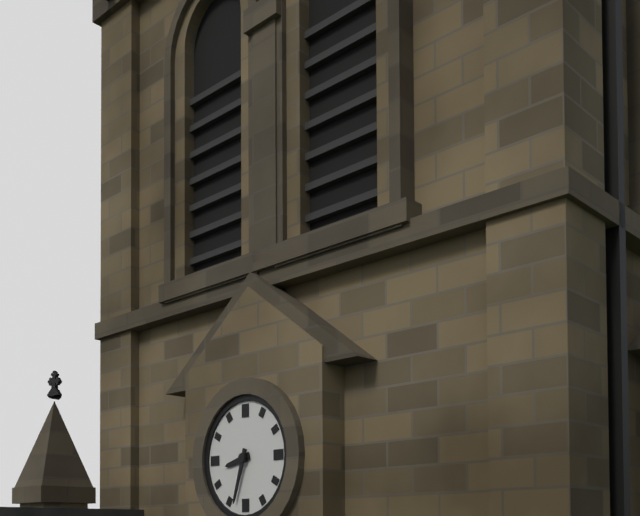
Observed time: 8.33
